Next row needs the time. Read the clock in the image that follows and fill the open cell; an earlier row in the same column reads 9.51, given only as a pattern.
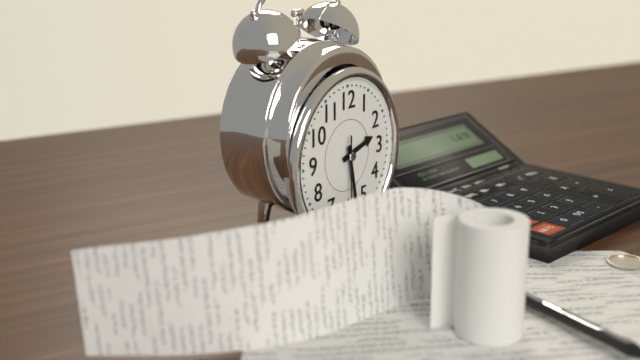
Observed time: 2.28
